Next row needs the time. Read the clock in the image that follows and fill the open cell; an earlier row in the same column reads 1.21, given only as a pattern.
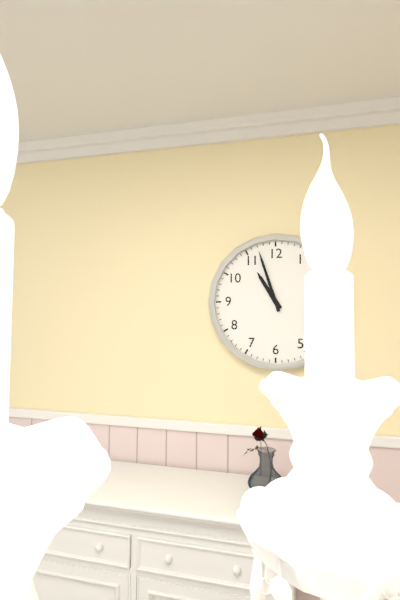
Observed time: 10.57
